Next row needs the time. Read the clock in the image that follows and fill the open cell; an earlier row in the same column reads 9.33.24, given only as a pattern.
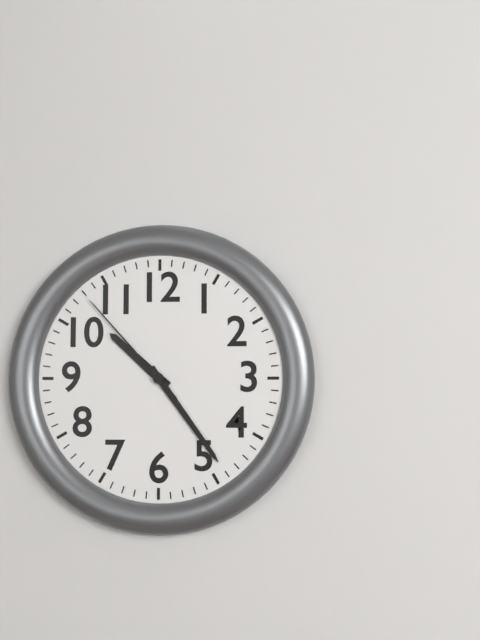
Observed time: 10.24.53
